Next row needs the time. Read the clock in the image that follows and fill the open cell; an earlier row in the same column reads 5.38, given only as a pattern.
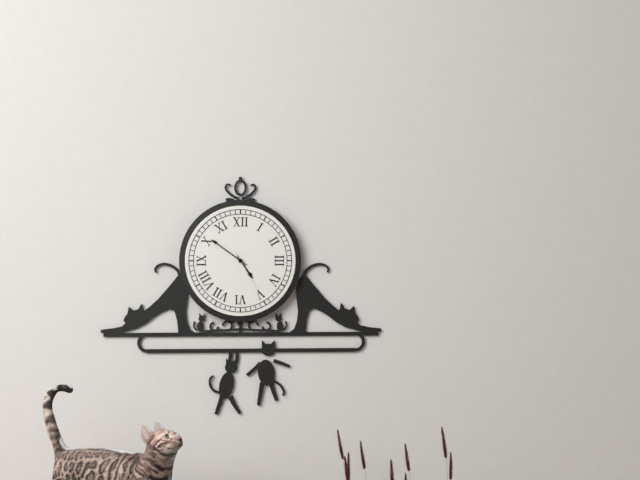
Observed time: 4.51
